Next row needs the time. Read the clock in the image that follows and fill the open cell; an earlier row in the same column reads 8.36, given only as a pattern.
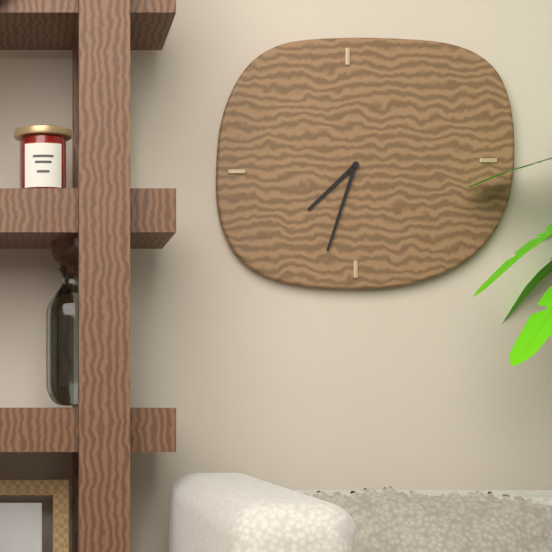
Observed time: 7.33
